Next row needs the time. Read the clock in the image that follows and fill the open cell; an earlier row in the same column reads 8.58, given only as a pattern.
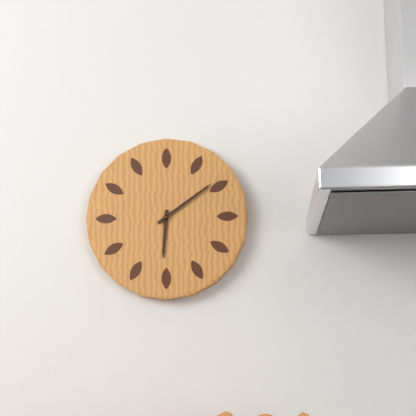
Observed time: 6.09
